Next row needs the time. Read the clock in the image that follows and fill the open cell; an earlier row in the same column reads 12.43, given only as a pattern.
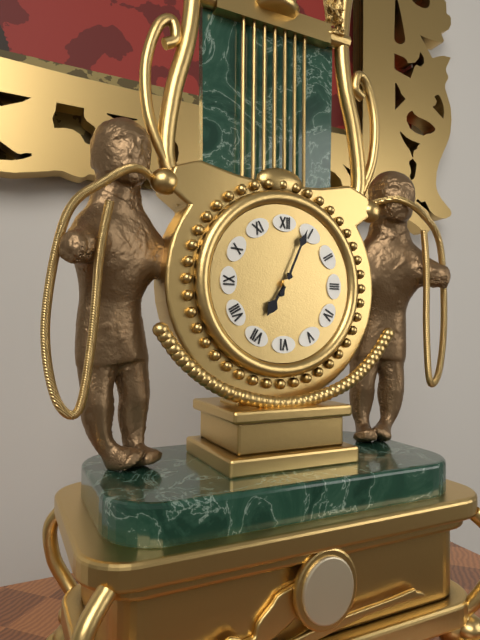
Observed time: 7.04
